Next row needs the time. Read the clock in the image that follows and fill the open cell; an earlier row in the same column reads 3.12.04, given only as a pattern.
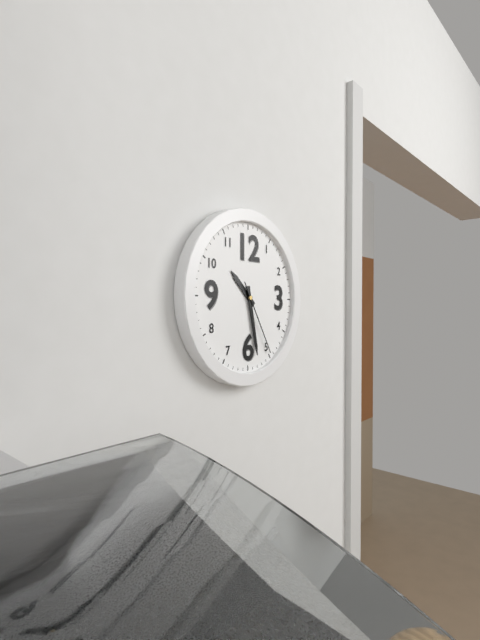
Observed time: 10.28.25
